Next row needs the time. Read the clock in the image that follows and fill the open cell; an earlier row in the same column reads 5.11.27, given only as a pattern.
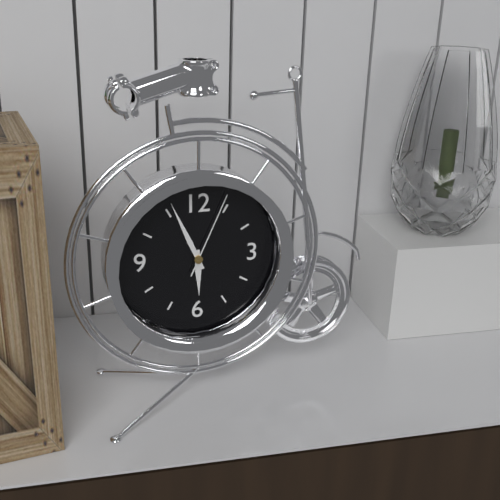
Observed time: 5.56.04
